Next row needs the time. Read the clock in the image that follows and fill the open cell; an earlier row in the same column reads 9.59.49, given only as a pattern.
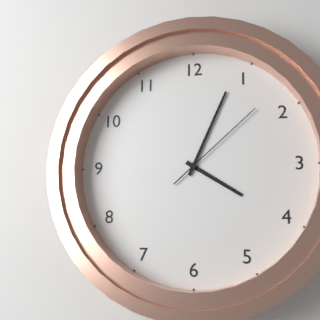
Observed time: 4.04.08
